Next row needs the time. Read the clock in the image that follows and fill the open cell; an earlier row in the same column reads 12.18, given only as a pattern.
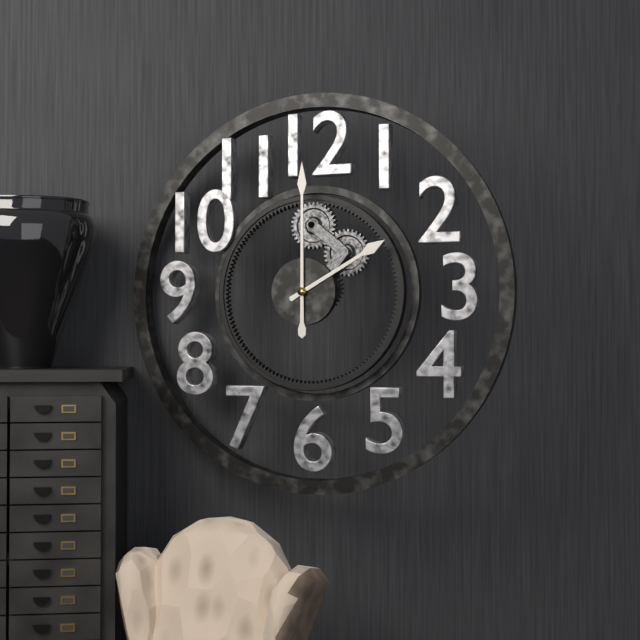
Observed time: 2.00
